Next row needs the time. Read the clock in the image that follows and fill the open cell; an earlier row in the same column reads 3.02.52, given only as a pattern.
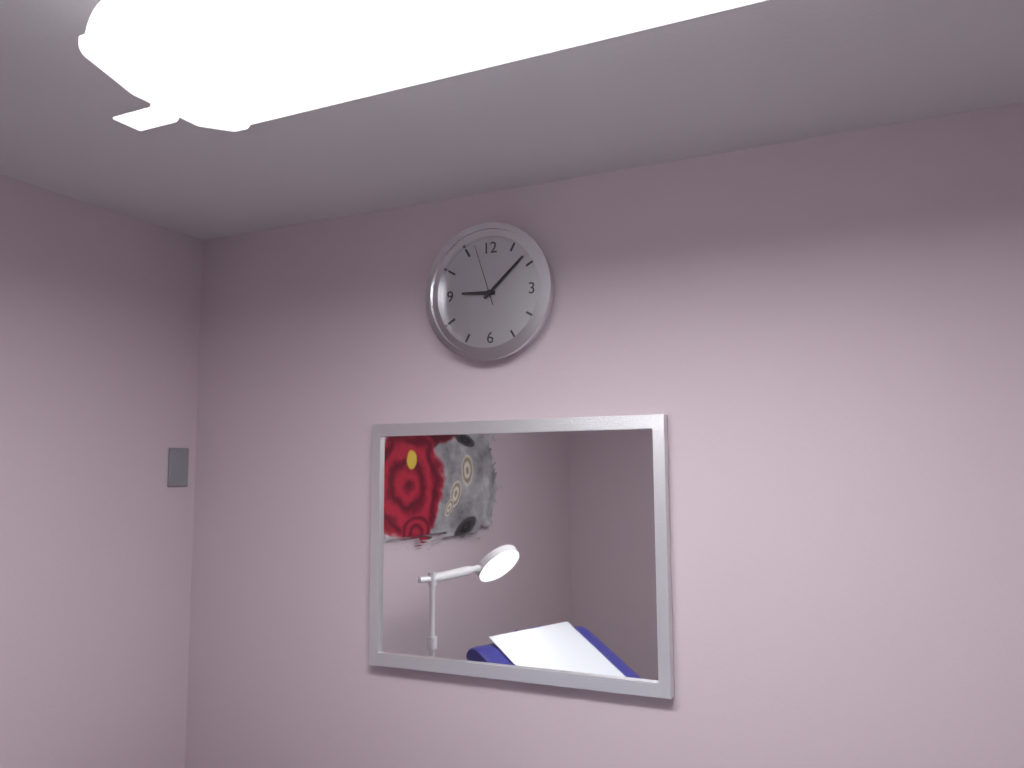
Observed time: 9.08.57
